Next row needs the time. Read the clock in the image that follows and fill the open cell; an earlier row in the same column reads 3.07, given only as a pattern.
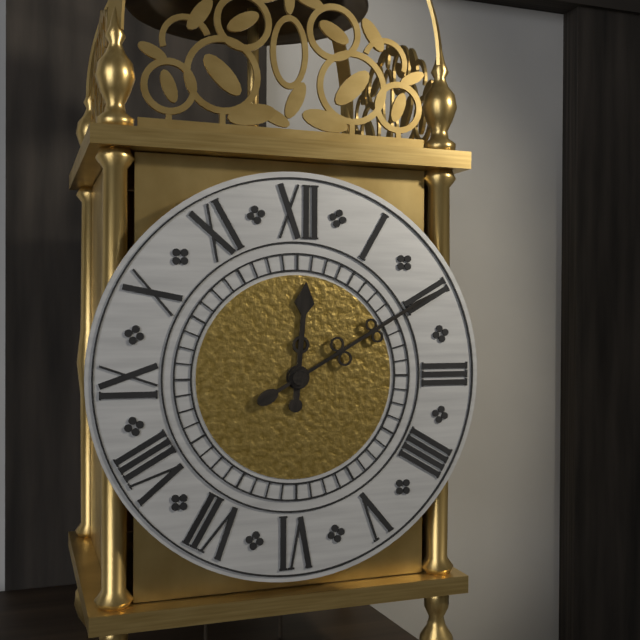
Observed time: 12.10
